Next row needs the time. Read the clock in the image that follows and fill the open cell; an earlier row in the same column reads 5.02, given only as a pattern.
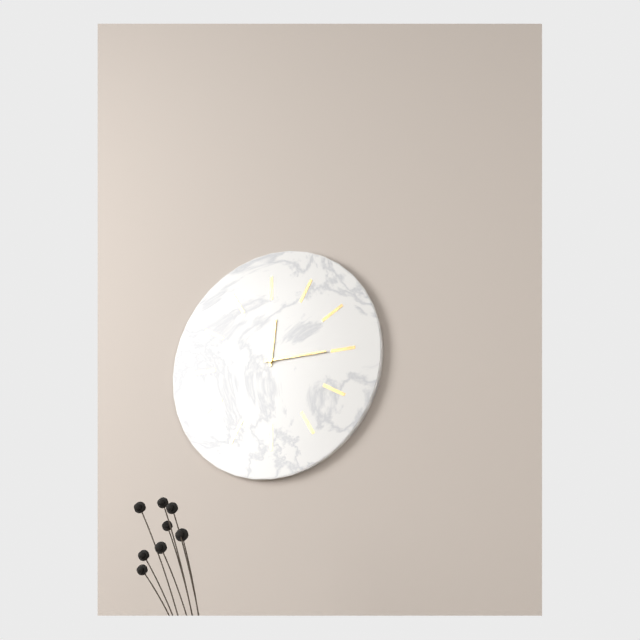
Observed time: 12.15
